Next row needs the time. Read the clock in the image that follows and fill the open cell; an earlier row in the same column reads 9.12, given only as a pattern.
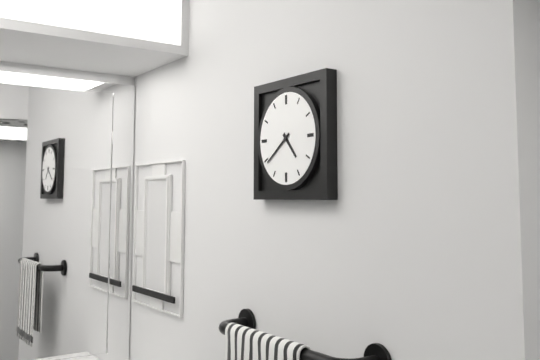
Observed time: 4.39
